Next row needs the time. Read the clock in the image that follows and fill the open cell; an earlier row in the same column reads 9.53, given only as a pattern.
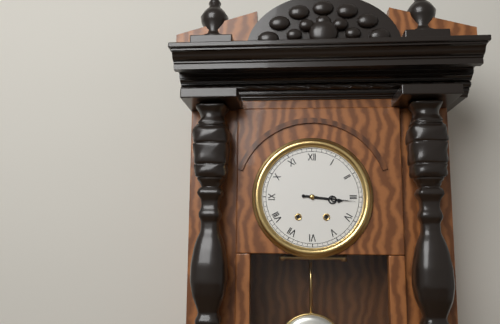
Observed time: 3.16
